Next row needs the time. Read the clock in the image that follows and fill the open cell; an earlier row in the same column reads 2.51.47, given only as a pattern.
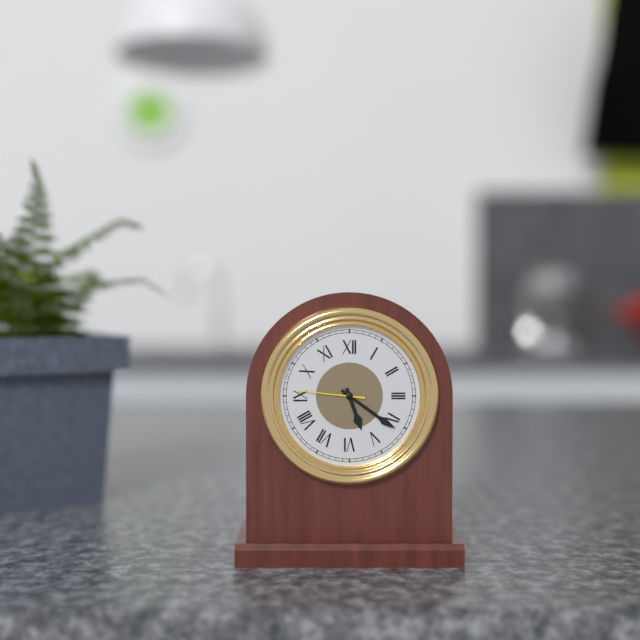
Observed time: 5.21.46
